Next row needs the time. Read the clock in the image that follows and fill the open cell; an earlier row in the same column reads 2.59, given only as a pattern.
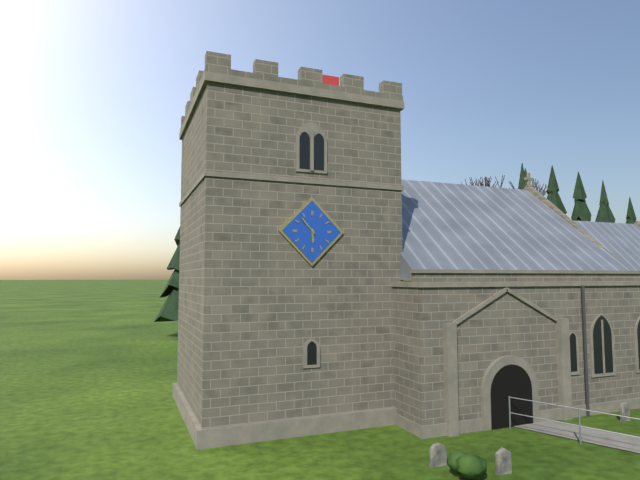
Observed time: 5.53
